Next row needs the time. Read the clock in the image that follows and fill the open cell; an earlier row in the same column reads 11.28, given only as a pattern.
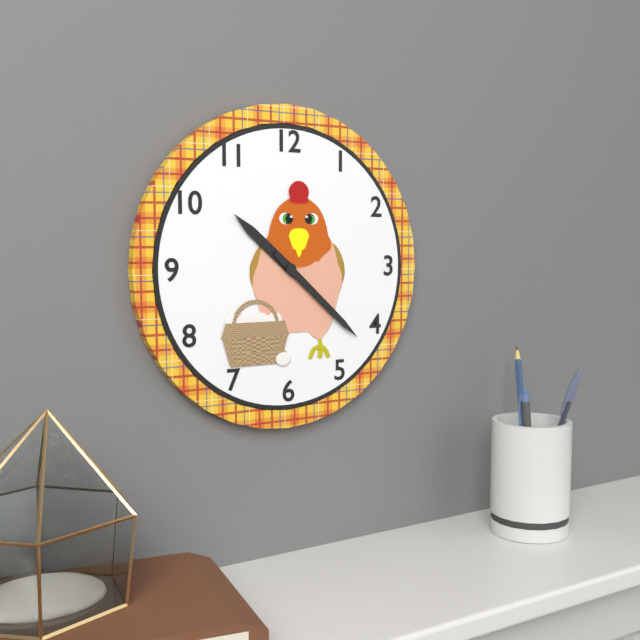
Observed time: 10.22
